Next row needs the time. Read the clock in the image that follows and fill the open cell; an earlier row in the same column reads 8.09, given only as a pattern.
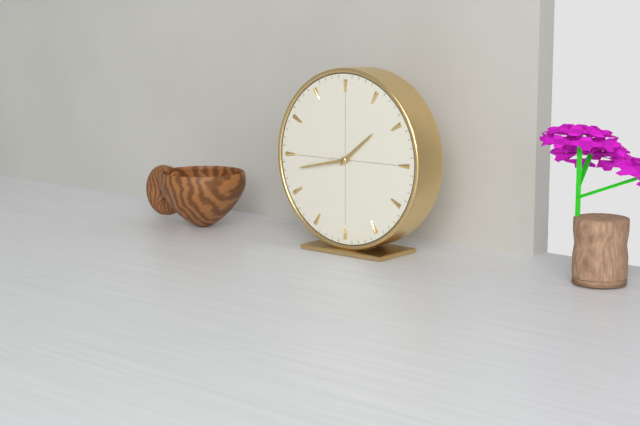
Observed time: 1.43
